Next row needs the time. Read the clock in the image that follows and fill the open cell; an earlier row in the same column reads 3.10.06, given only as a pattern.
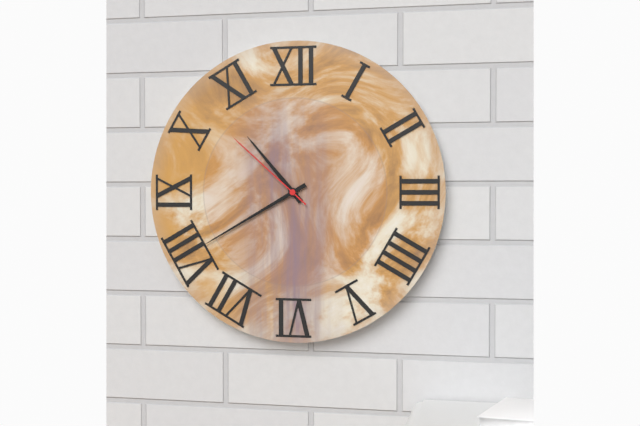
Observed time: 10.40.52
